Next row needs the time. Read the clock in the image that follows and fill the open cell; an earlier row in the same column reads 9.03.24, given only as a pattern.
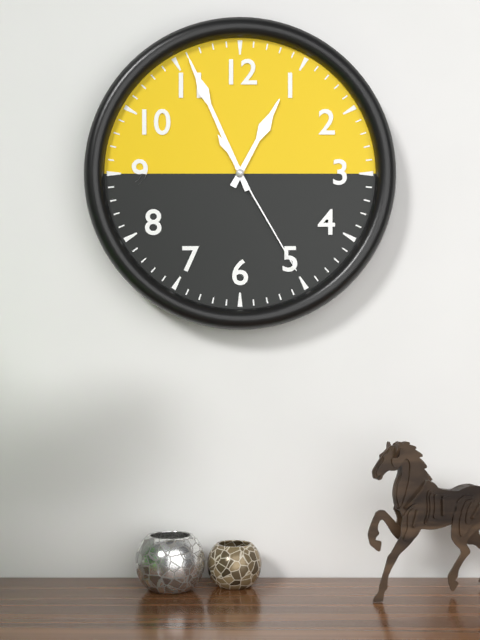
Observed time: 12.56.25
